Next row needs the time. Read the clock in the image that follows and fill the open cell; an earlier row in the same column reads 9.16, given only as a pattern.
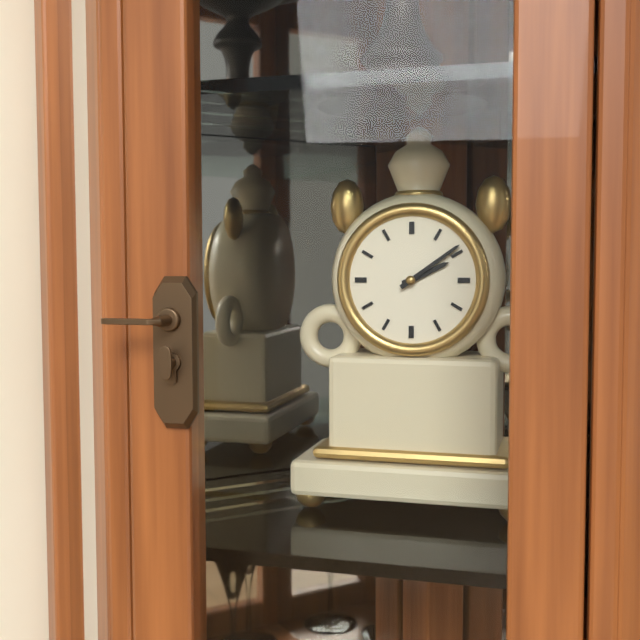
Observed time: 2.09
